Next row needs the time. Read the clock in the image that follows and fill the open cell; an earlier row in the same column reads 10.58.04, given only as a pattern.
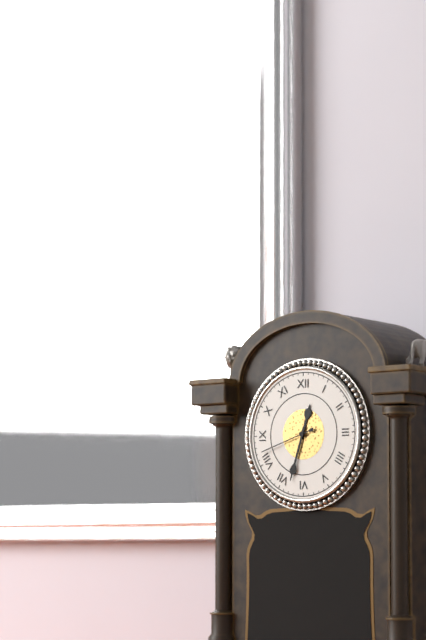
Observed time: 12.33.42
